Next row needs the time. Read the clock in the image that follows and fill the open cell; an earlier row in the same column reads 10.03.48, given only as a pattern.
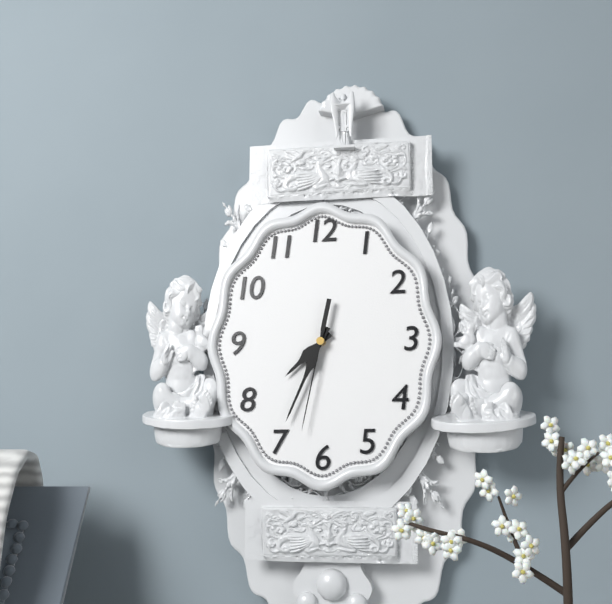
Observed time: 7.34.32
